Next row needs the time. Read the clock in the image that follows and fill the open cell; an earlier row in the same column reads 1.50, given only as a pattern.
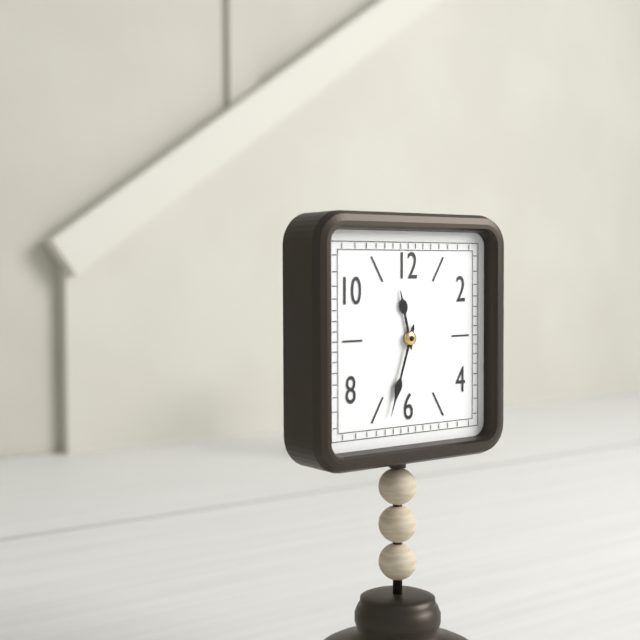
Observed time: 11.33
